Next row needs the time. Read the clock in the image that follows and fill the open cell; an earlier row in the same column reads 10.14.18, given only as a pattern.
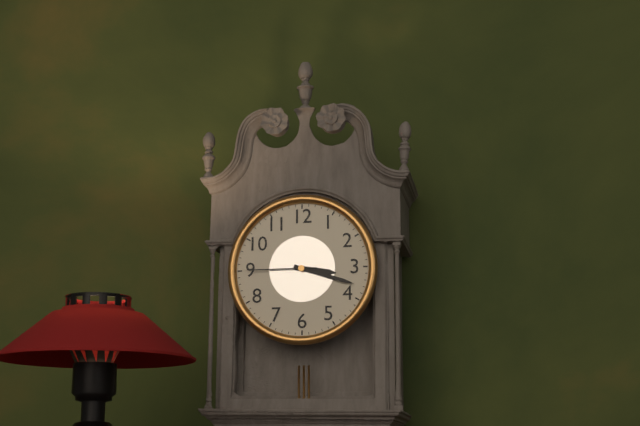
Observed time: 3.18.45
